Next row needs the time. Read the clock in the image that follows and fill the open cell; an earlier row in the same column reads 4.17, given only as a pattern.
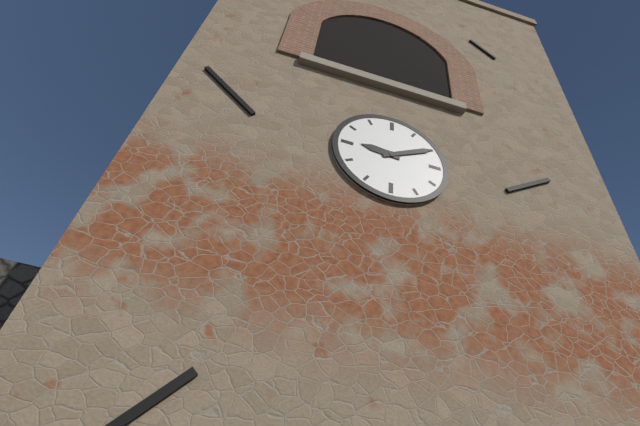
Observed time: 9.10
